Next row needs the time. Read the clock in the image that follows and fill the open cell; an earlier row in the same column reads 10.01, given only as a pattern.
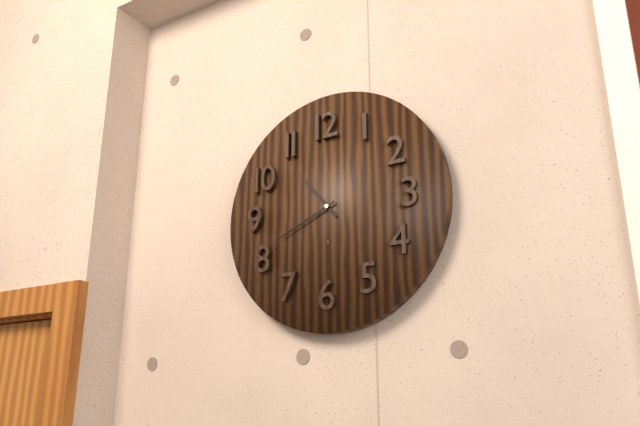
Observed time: 10.41
